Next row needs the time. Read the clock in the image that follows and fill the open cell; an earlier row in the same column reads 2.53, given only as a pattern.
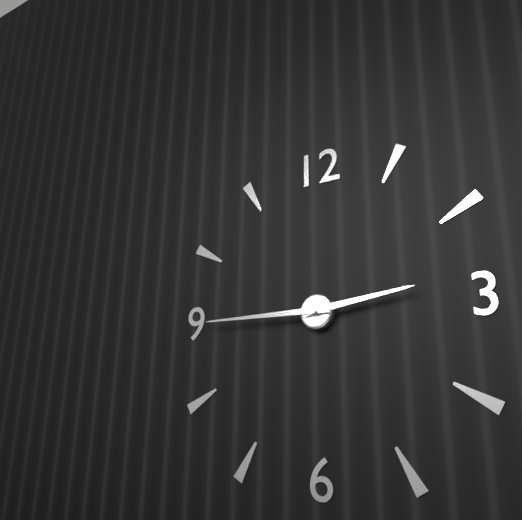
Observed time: 2.45
